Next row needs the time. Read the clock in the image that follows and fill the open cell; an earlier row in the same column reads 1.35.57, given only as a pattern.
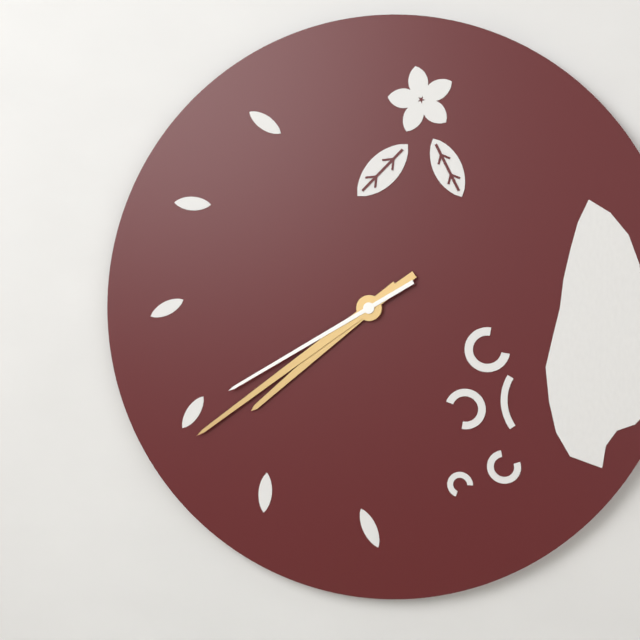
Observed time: 7.39.40
